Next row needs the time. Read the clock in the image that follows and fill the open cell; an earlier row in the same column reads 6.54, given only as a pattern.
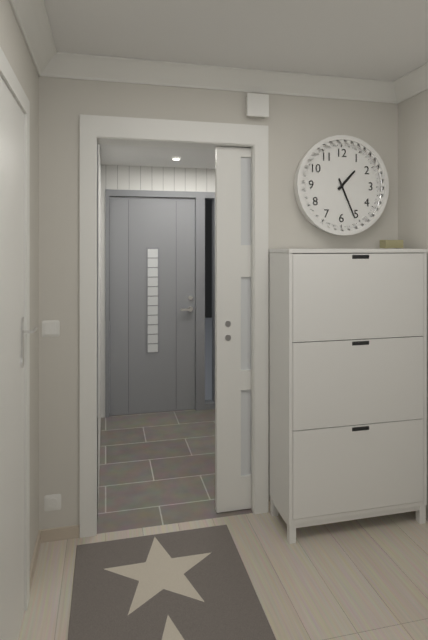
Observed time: 1.26
